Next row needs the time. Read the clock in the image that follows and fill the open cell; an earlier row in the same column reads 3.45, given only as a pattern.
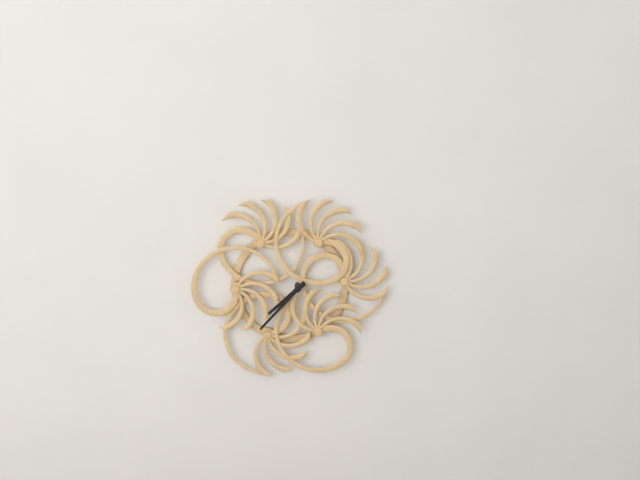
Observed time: 7.37
